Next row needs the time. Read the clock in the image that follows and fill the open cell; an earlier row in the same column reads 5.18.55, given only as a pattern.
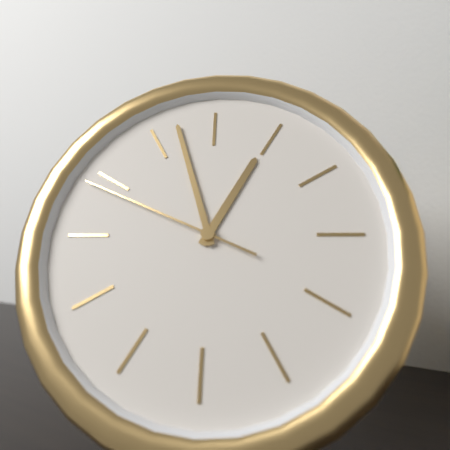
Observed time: 12.57.49
